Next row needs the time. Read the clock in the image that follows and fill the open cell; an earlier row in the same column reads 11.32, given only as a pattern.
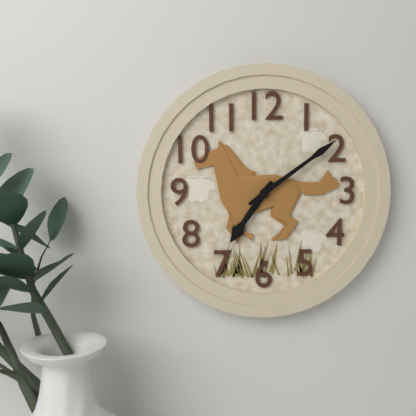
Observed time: 7.09
